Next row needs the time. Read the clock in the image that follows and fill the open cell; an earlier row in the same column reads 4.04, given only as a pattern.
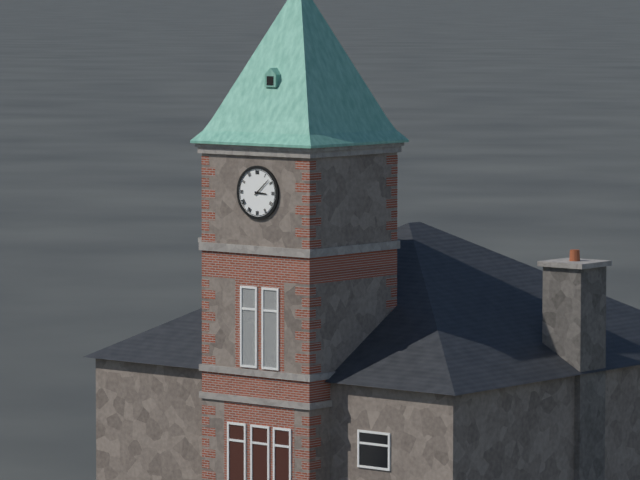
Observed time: 3.08
